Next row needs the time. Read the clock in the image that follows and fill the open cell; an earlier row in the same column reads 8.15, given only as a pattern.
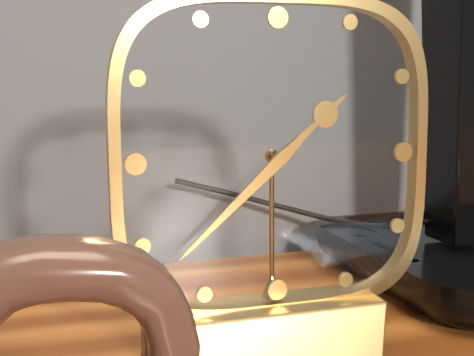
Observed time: 1.38
